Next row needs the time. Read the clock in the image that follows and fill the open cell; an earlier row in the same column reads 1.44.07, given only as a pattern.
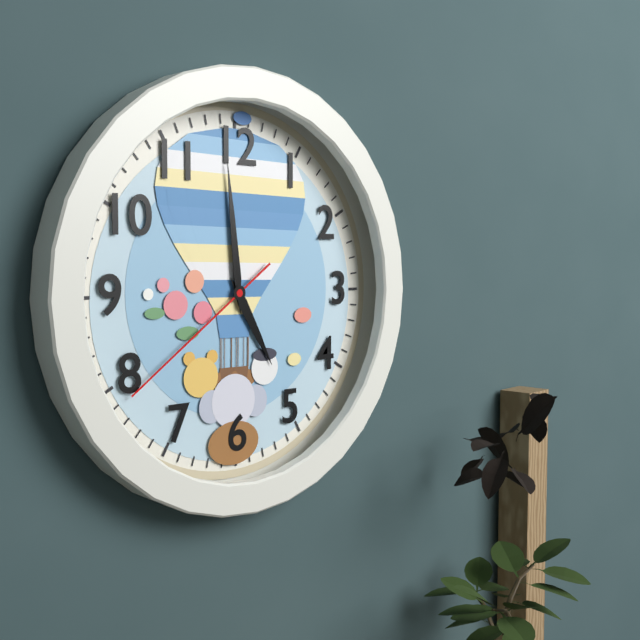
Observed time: 4.59.39
